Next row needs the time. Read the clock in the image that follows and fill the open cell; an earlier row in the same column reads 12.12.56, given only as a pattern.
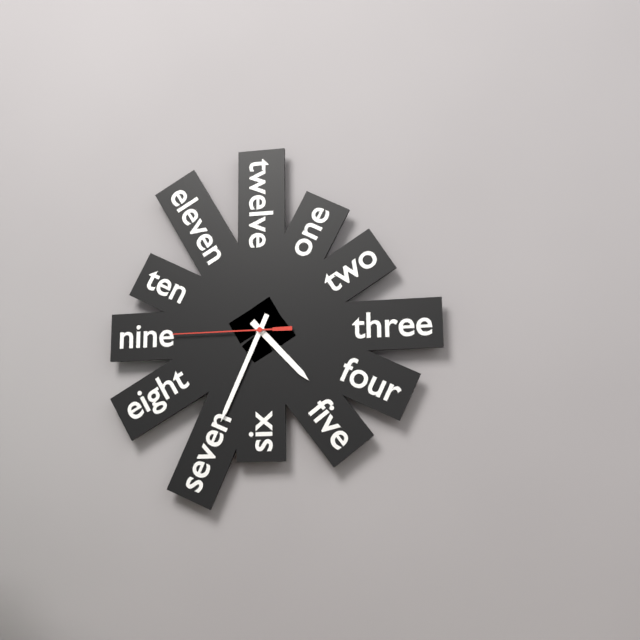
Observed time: 4.34.45
